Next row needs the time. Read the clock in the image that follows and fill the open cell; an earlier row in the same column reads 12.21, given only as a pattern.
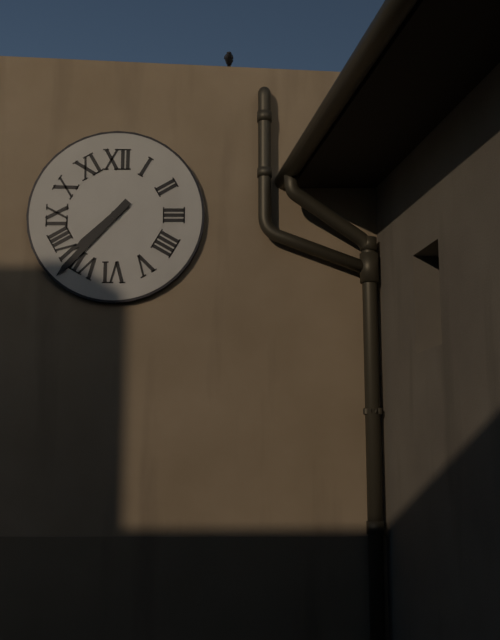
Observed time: 7.37
